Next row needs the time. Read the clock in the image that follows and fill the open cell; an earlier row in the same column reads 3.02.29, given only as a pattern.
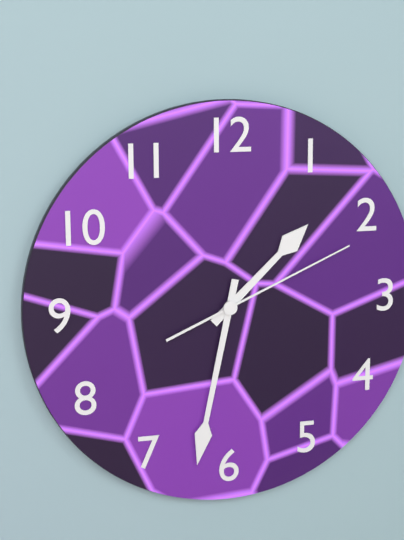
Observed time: 1.32.11
